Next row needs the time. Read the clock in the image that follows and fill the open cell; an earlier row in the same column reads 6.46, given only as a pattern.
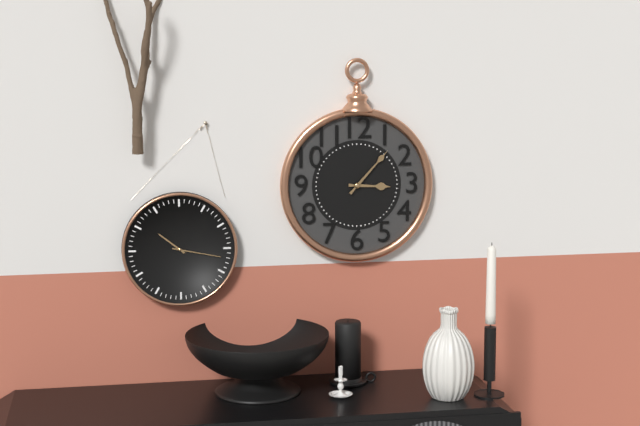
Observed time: 3.07
